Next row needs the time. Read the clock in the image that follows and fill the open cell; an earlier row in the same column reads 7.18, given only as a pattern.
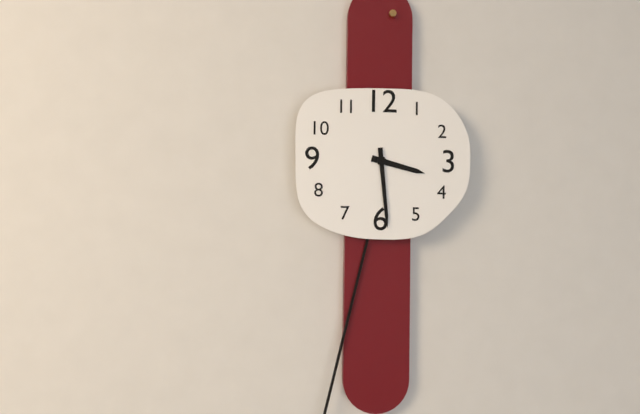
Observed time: 3.29
